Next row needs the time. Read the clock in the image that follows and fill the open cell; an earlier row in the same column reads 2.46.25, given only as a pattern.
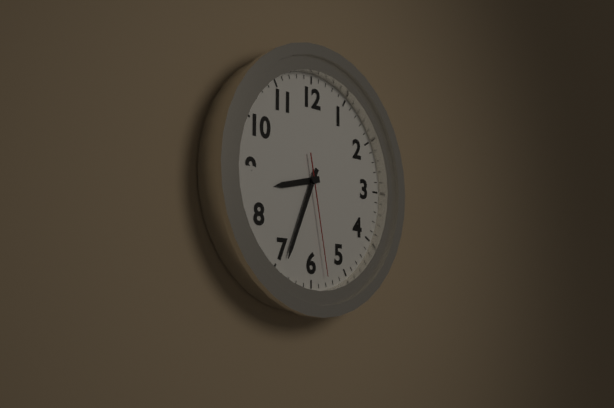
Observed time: 8.34.28
